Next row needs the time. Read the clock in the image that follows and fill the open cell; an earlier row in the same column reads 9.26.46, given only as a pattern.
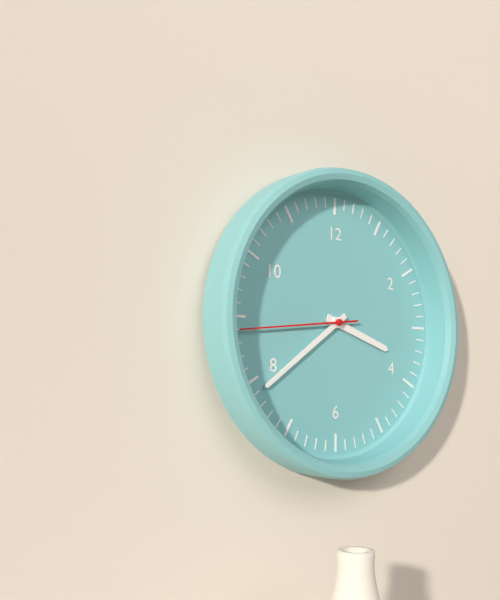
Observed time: 3.39.44
